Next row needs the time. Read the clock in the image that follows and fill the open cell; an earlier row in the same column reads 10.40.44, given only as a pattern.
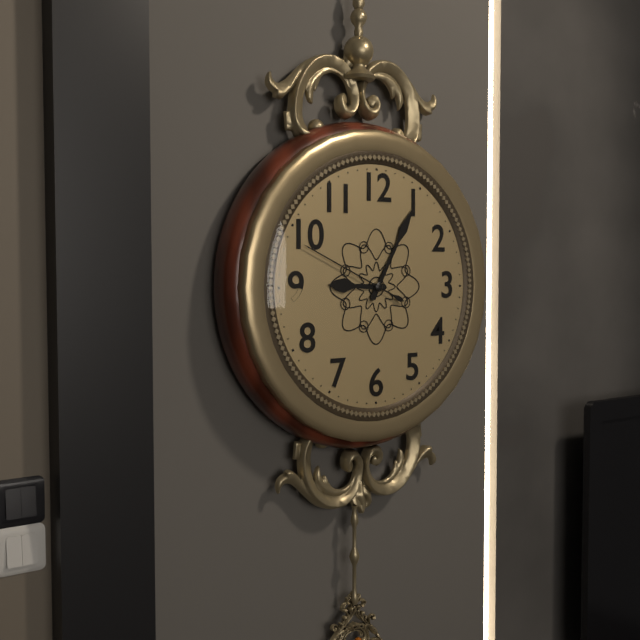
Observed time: 9.05.49
